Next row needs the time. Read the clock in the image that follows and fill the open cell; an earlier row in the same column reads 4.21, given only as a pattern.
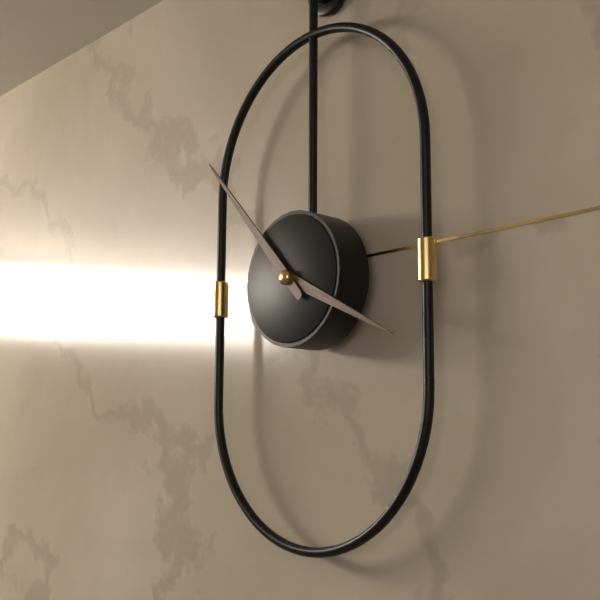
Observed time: 3.53
